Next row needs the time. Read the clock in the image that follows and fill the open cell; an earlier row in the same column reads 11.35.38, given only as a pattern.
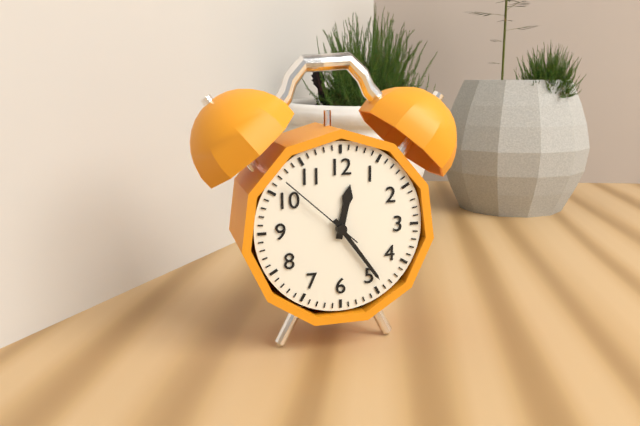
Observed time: 12.24.52
